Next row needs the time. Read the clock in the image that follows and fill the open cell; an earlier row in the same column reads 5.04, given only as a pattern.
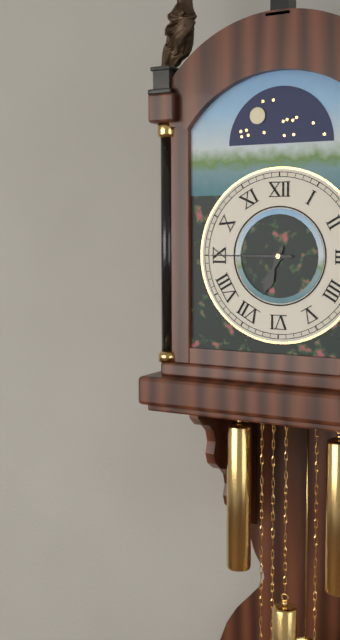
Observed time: 6.45
